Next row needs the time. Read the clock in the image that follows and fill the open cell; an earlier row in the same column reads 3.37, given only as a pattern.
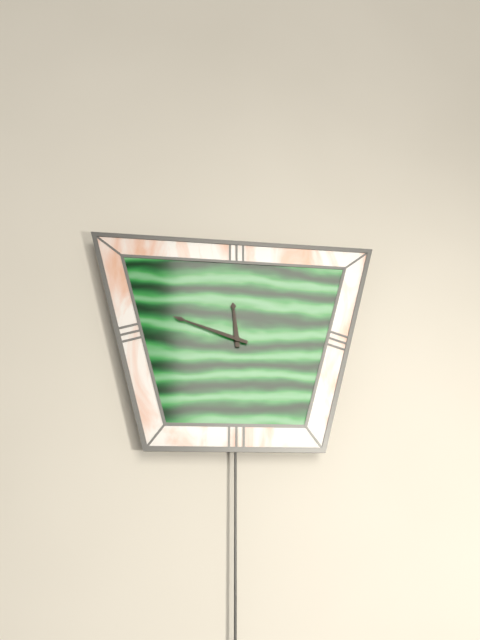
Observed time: 11.48
